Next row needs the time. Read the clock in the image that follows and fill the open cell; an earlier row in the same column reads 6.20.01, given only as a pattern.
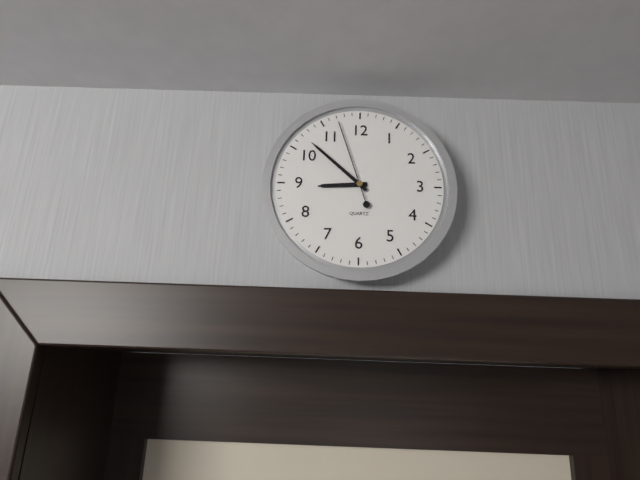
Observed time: 8.52.57
